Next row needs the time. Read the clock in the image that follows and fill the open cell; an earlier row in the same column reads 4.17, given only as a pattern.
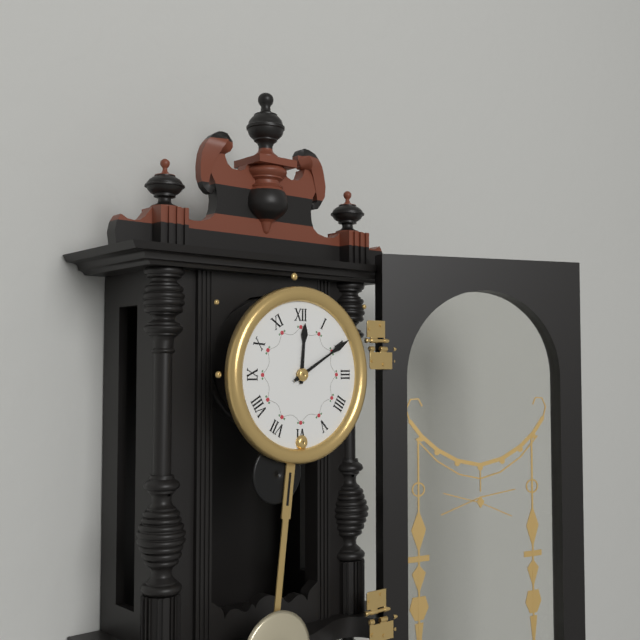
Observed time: 12.10
